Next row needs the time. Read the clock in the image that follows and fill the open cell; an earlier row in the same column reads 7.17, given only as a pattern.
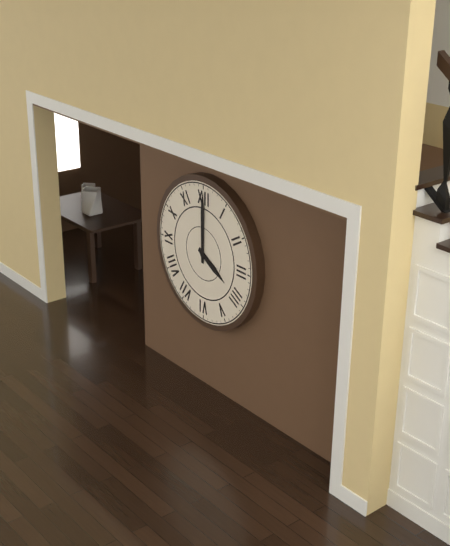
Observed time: 4.00
